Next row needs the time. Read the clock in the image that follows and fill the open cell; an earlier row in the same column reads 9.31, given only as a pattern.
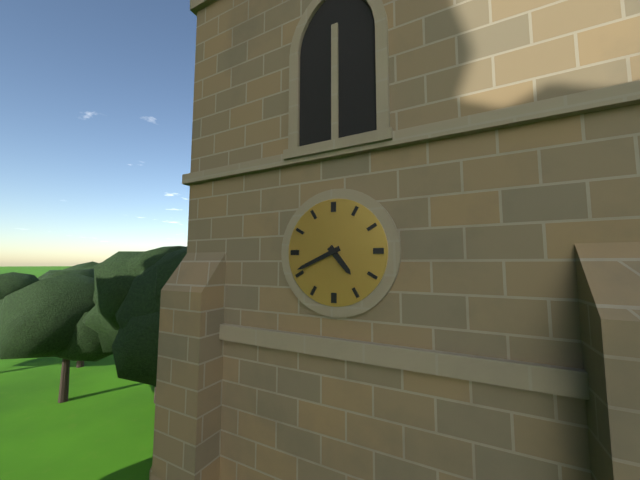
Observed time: 4.41
